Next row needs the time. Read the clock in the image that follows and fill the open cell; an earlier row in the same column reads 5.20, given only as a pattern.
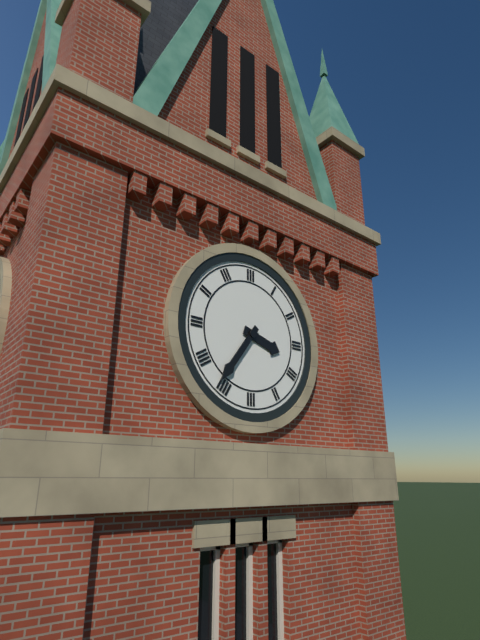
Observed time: 3.36
